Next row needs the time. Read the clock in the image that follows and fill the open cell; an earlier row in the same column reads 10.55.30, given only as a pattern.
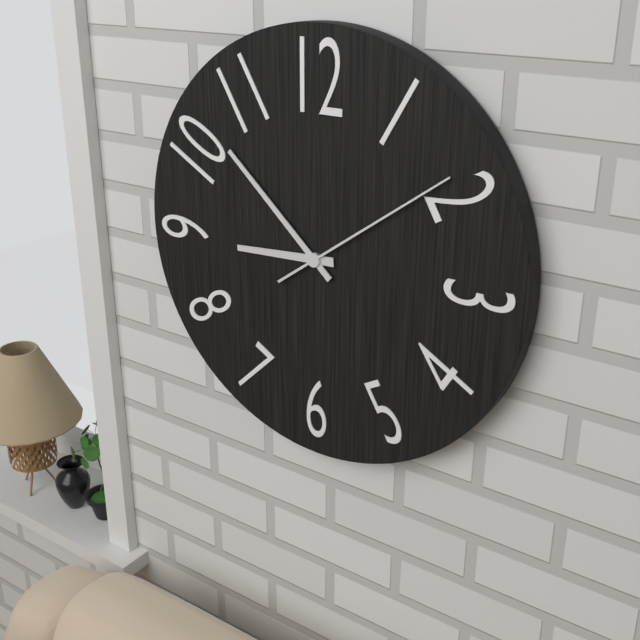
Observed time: 8.52.09
